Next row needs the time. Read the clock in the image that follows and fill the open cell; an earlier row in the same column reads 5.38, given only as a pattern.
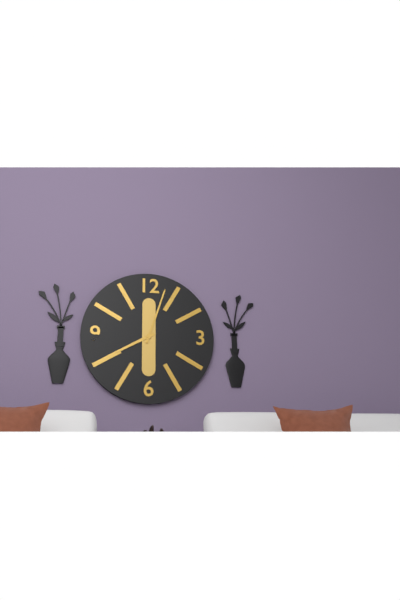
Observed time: 8.03
